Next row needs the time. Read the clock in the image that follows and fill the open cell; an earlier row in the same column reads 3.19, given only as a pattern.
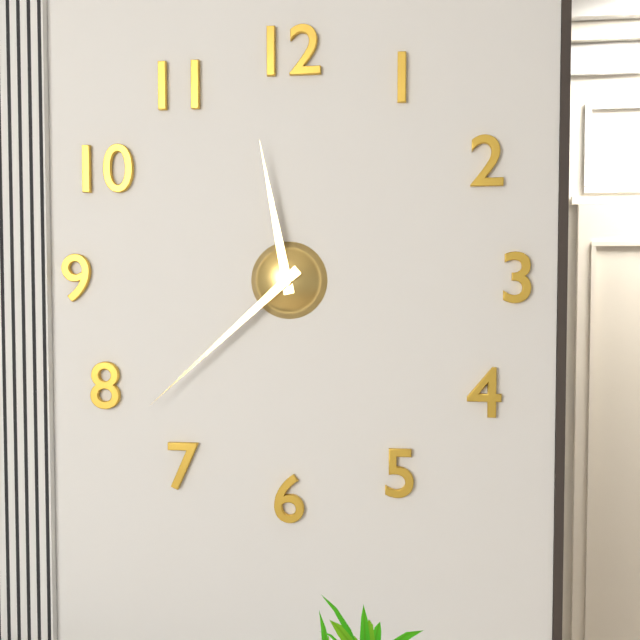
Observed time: 11.38
